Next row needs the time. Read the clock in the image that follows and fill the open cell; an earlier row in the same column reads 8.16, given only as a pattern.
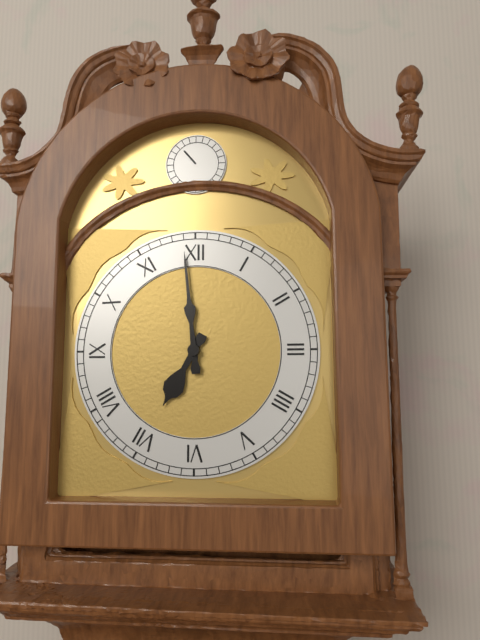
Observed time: 6.59
